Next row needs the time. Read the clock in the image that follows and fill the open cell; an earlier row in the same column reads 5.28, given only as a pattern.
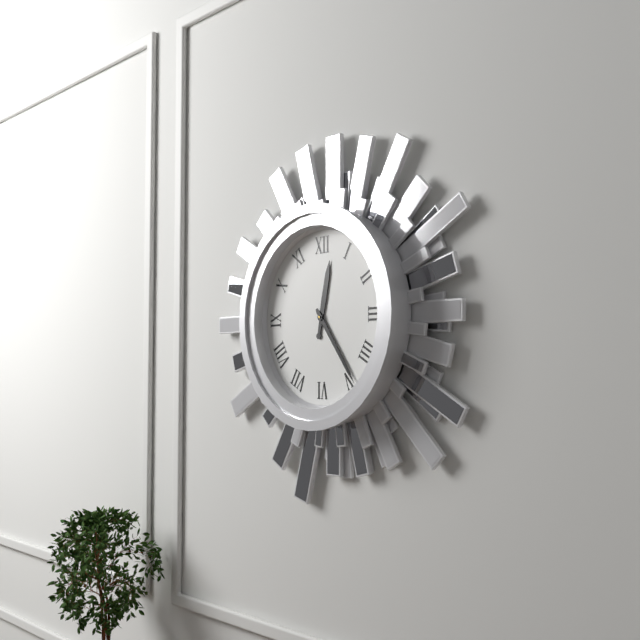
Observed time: 12.24
